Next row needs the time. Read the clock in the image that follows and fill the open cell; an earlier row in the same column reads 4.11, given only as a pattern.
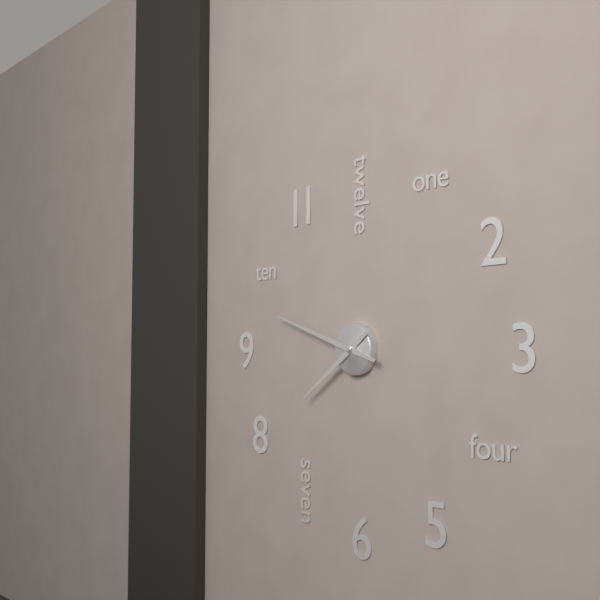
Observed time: 7.48
